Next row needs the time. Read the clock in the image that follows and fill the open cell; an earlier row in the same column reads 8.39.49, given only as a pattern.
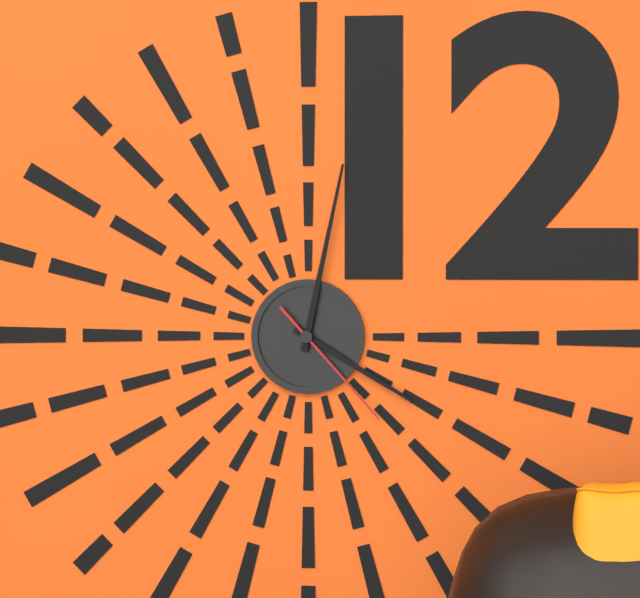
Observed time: 4.02.23
